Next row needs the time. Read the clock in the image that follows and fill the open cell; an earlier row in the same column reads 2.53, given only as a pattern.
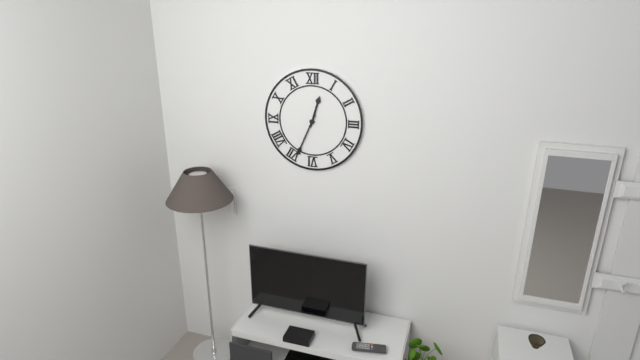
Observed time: 12.34
